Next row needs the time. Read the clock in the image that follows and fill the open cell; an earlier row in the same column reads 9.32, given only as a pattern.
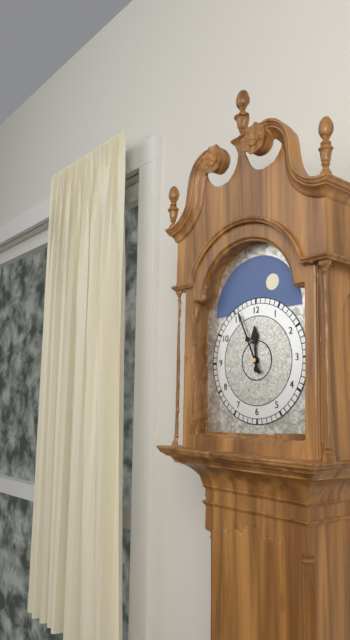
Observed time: 11.56
